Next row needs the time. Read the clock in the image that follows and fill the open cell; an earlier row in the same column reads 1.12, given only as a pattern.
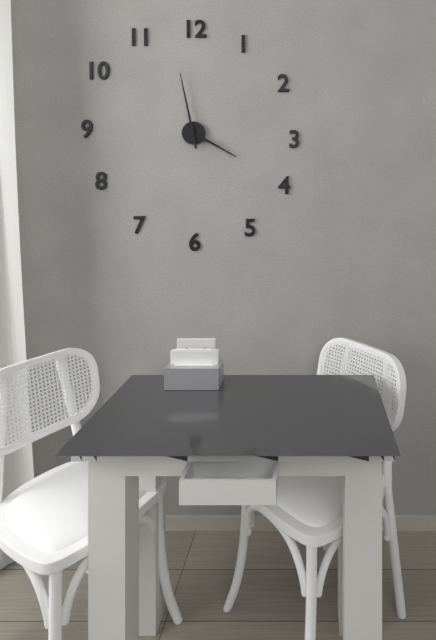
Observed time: 3.58
